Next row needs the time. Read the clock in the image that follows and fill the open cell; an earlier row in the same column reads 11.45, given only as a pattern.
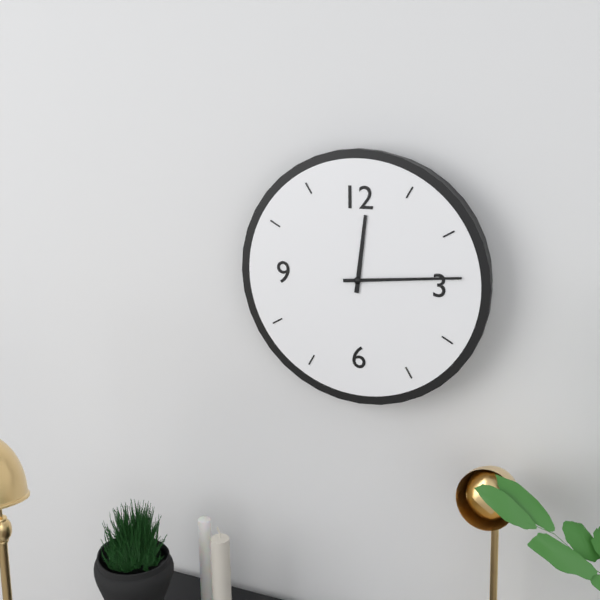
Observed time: 12.14
